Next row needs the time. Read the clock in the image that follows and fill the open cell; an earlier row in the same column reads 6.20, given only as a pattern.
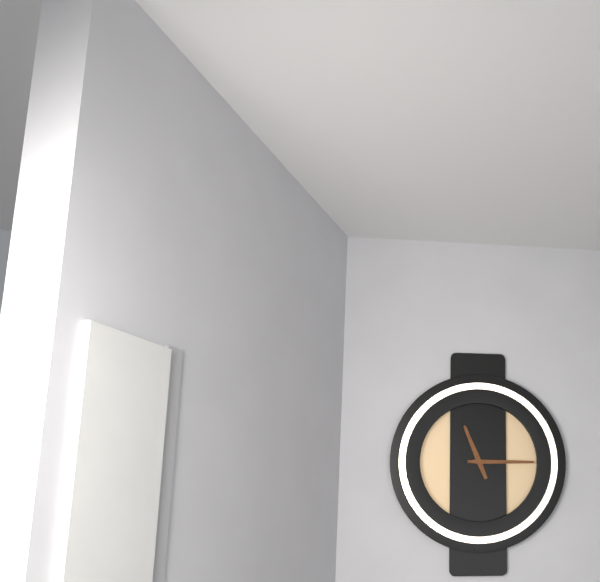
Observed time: 11.15
